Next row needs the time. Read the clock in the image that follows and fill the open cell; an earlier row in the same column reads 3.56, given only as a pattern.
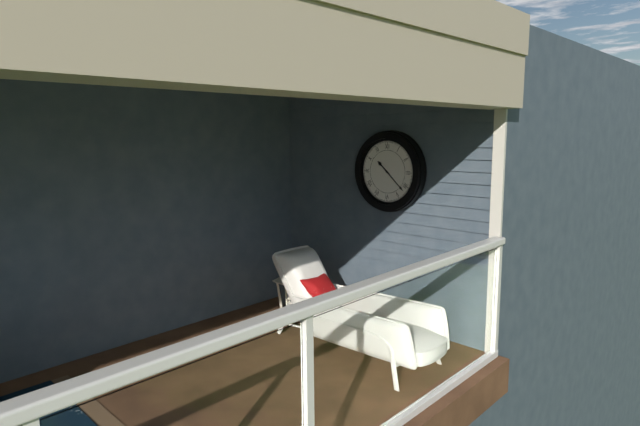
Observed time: 10.22
